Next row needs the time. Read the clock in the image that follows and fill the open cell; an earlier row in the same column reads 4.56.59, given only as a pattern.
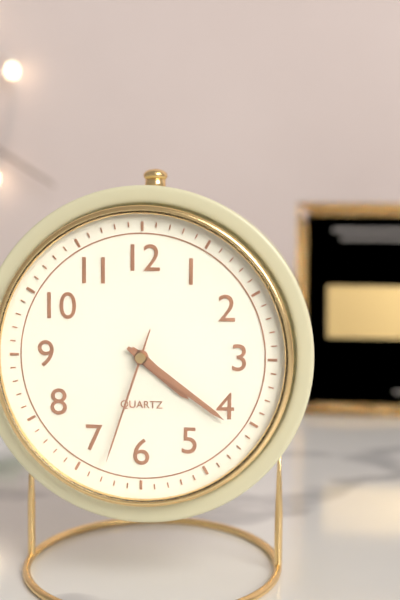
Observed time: 4.21.33
